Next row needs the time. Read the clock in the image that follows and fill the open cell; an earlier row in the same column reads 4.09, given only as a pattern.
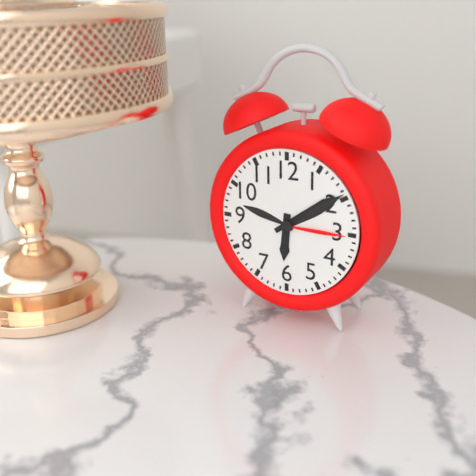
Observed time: 6.09
